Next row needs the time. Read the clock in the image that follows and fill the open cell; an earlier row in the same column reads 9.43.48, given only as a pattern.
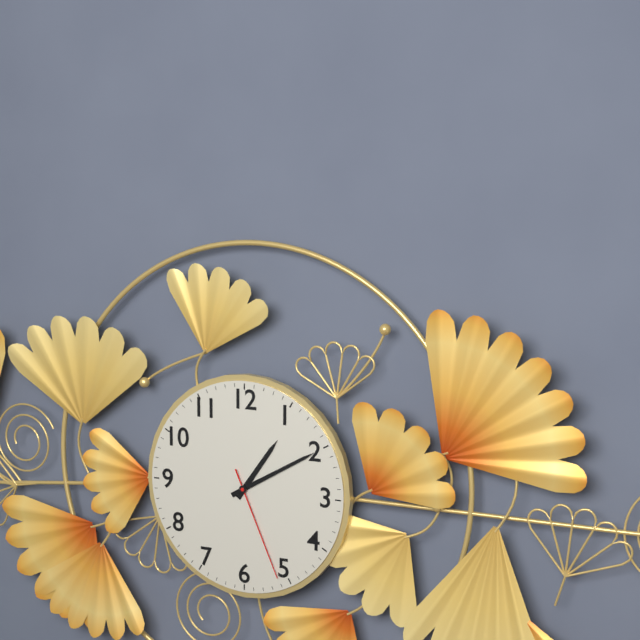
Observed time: 1.10.26
